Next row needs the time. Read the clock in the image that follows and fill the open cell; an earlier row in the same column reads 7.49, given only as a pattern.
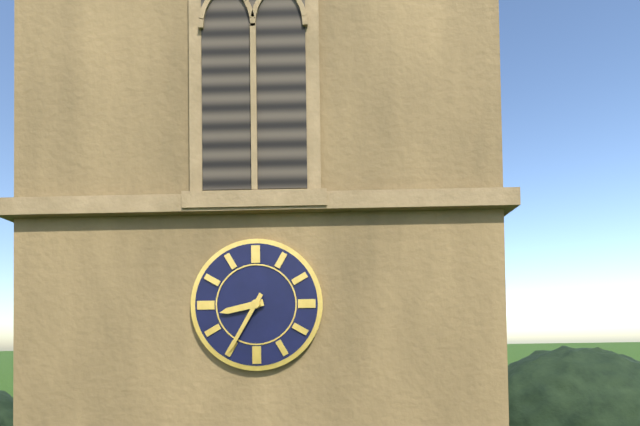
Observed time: 8.35
